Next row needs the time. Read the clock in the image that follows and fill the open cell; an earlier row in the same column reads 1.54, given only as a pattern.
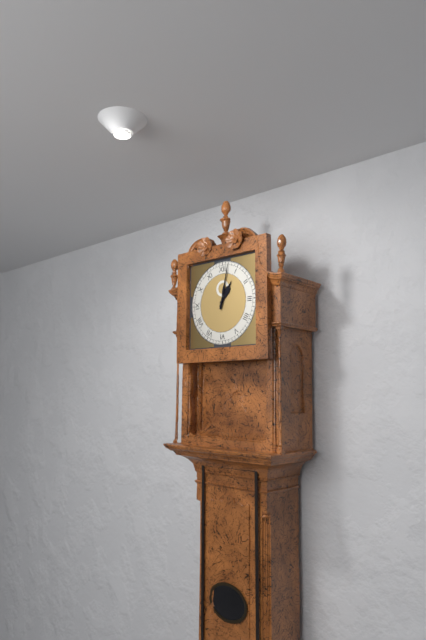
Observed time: 1.02
